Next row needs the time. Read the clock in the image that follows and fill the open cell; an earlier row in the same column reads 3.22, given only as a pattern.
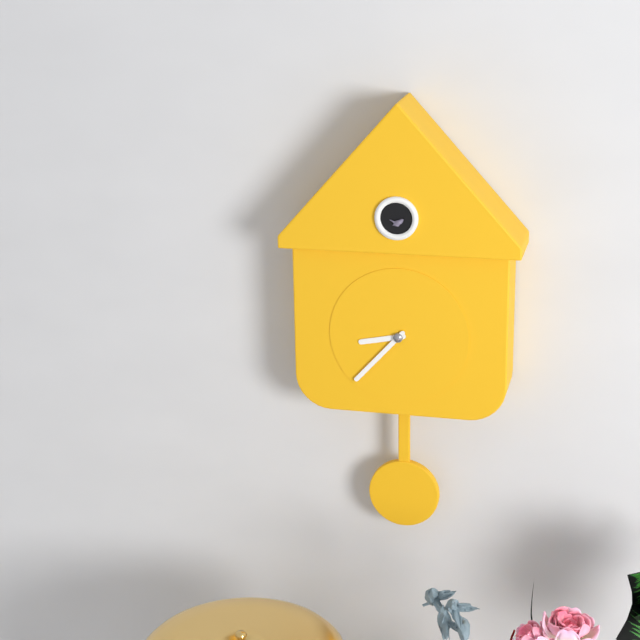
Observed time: 8.37
